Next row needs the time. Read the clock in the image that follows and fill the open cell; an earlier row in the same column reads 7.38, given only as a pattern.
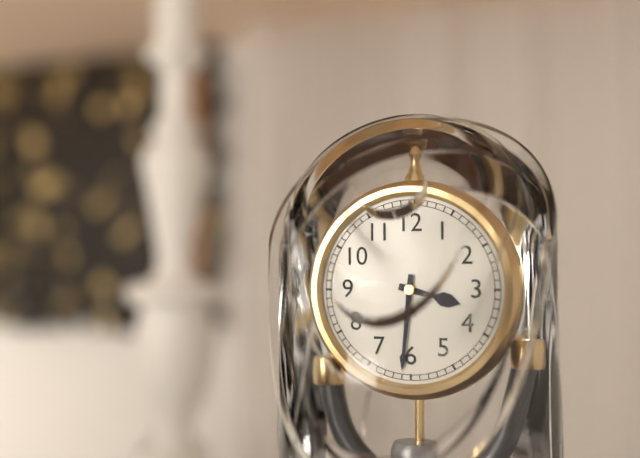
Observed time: 3.31
